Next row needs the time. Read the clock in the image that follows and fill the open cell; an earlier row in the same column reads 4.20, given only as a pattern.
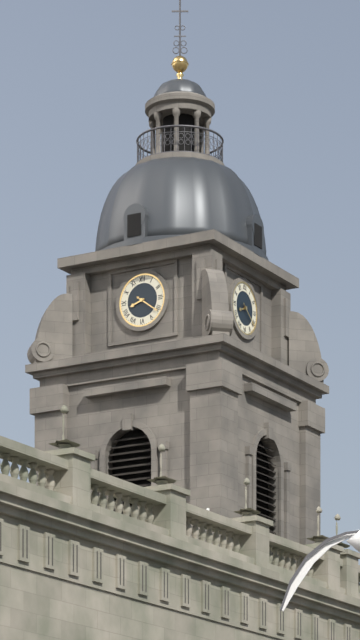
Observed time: 8.21
